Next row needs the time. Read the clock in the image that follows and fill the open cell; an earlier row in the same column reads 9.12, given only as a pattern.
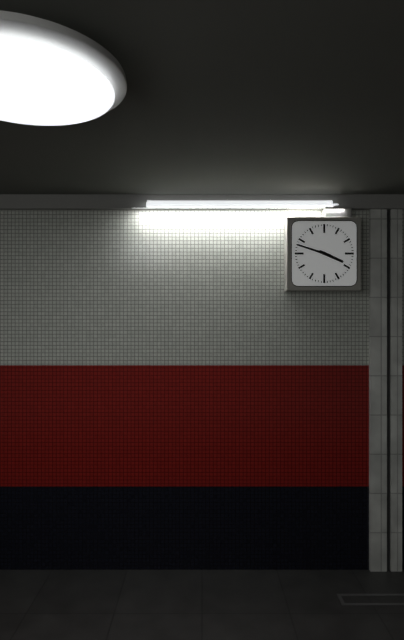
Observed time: 3.48
